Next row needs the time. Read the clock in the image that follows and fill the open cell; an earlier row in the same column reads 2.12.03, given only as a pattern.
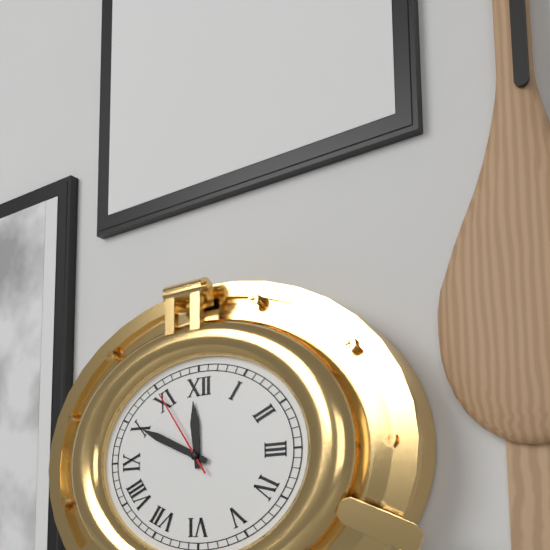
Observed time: 11.49.54
